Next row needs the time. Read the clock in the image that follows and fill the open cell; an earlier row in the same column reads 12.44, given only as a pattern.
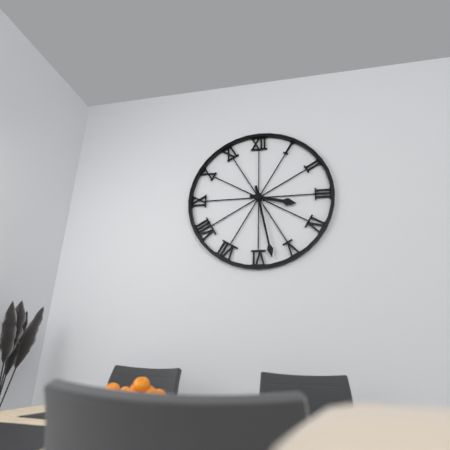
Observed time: 3.28
